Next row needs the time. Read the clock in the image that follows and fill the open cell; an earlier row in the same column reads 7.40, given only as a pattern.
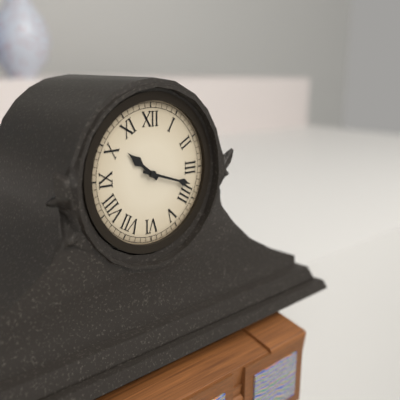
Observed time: 10.18
